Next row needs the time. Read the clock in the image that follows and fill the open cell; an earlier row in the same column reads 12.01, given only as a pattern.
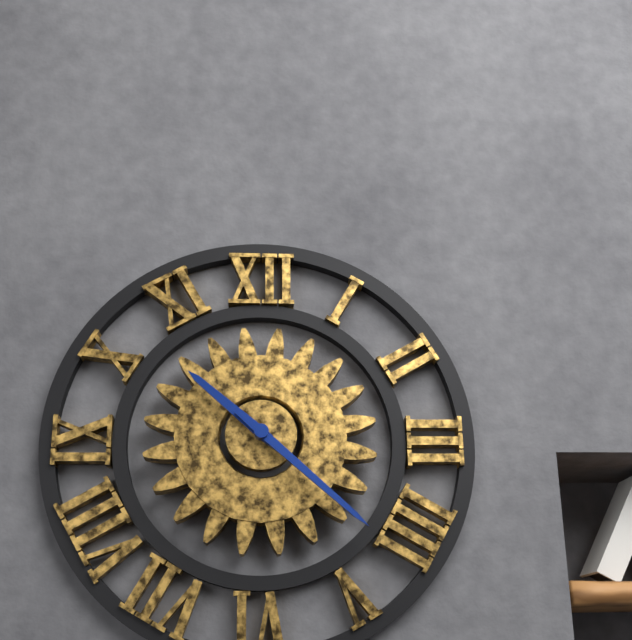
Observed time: 10.22
